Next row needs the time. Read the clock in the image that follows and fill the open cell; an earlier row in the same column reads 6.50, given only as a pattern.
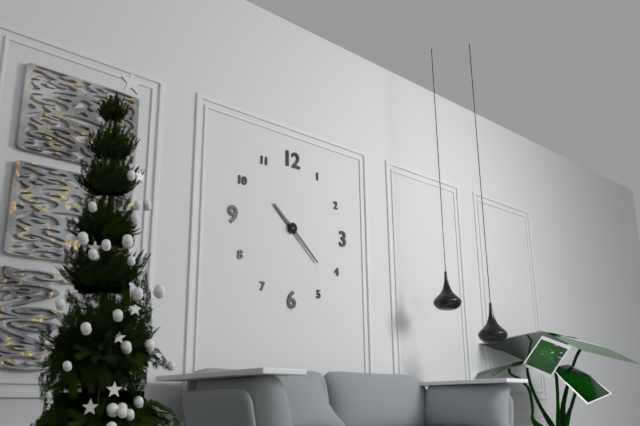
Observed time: 10.22
